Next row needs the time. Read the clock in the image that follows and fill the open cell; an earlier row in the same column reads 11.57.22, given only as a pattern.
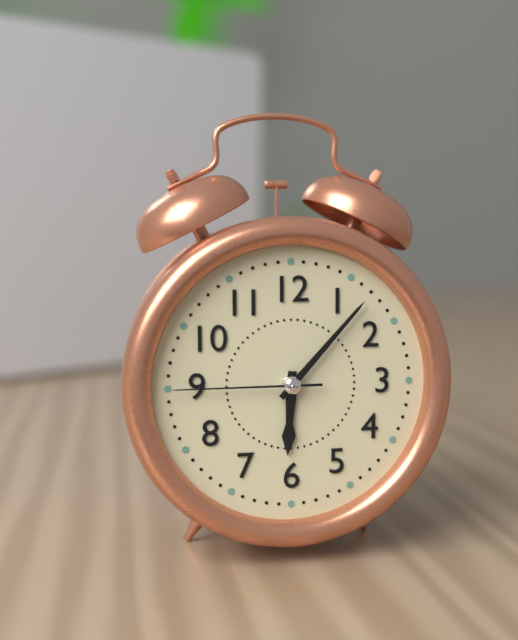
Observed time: 6.07.45
